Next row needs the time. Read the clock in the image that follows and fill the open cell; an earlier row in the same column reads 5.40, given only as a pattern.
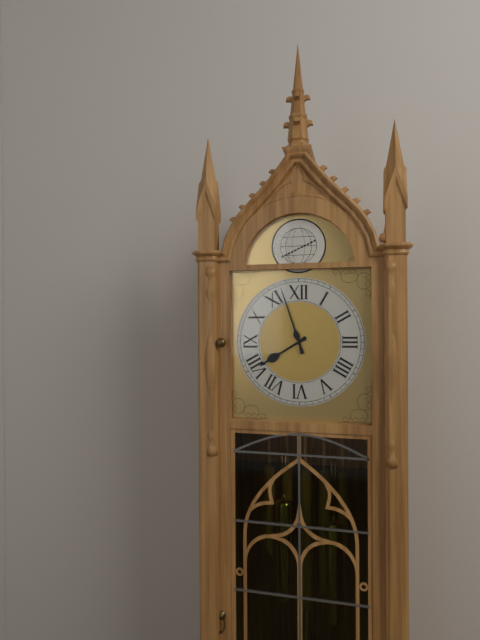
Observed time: 7.57
